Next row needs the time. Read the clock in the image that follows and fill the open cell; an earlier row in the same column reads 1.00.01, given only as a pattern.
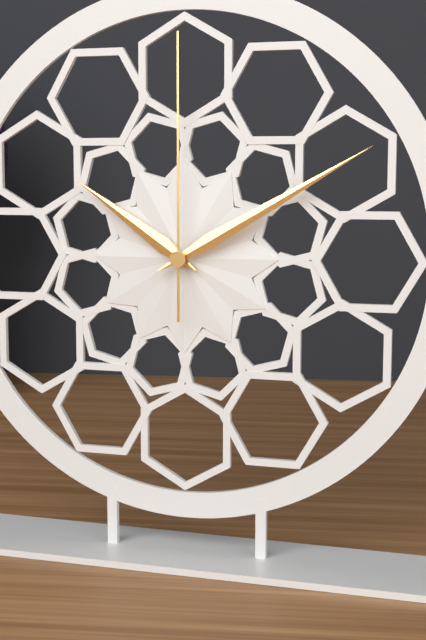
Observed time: 10.10.00
